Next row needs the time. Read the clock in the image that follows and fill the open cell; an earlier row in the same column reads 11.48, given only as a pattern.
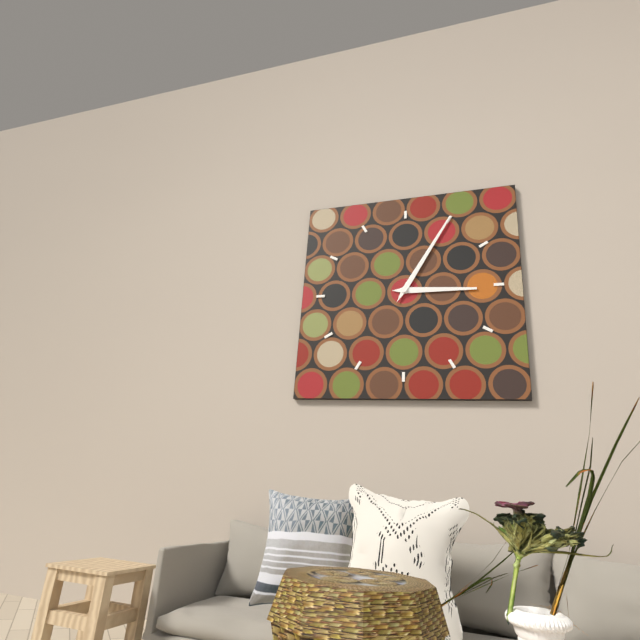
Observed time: 3.05
